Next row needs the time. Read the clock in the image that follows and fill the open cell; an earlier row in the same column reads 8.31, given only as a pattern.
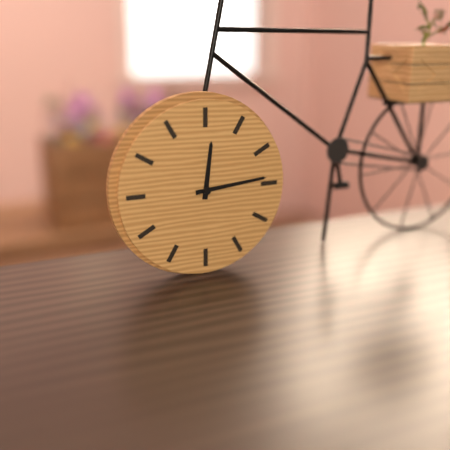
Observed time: 12.14
